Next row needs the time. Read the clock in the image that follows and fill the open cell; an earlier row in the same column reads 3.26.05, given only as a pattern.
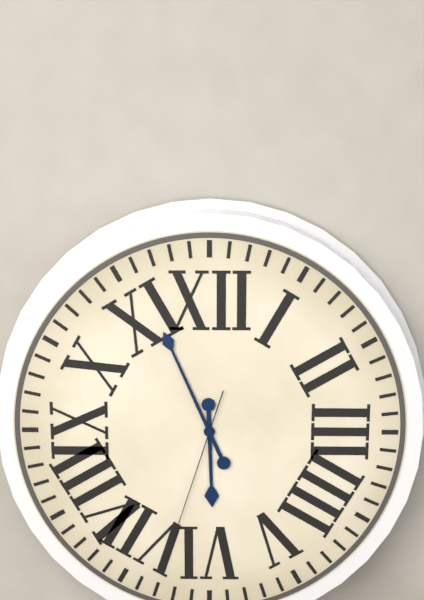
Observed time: 5.56.33
